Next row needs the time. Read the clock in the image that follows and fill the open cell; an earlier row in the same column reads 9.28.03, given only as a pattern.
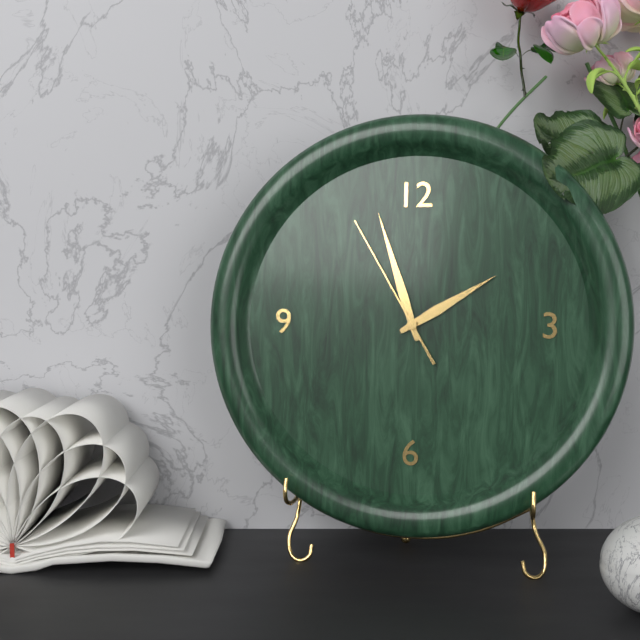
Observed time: 1.57.55
